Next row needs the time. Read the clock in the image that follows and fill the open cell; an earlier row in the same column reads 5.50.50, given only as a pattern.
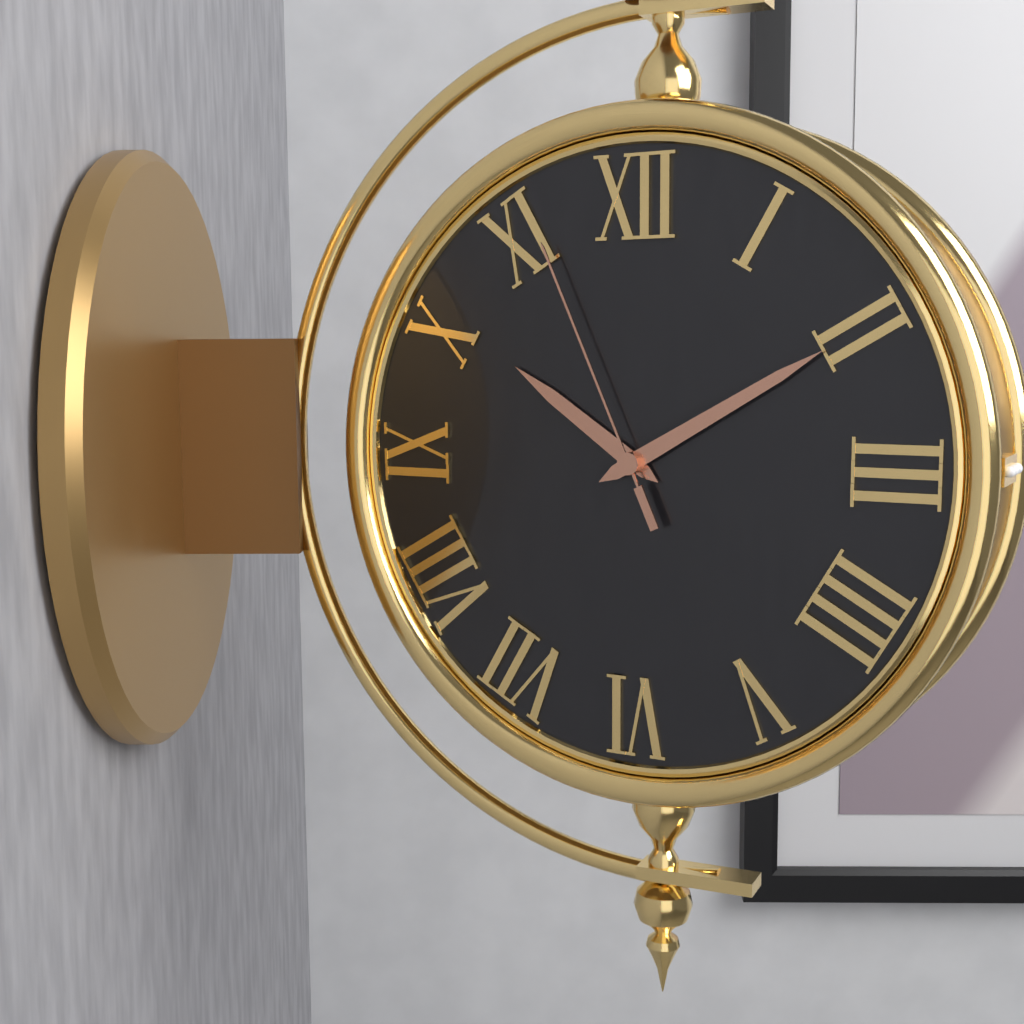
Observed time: 10.10.56
